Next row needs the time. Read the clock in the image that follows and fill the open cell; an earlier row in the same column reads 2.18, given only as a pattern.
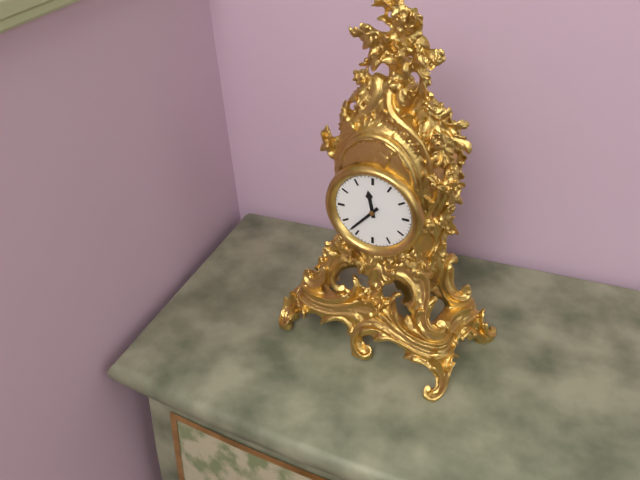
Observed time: 11.37
